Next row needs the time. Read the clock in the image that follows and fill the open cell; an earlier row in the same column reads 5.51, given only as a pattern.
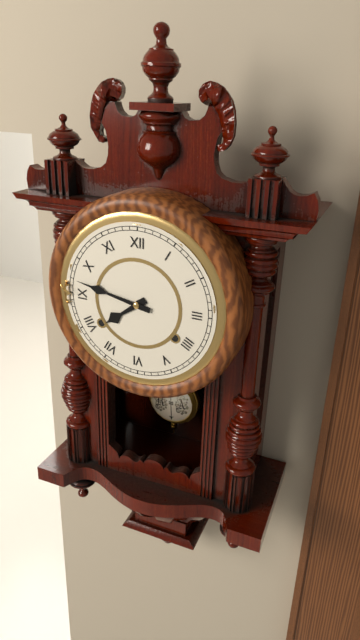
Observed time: 7.47
